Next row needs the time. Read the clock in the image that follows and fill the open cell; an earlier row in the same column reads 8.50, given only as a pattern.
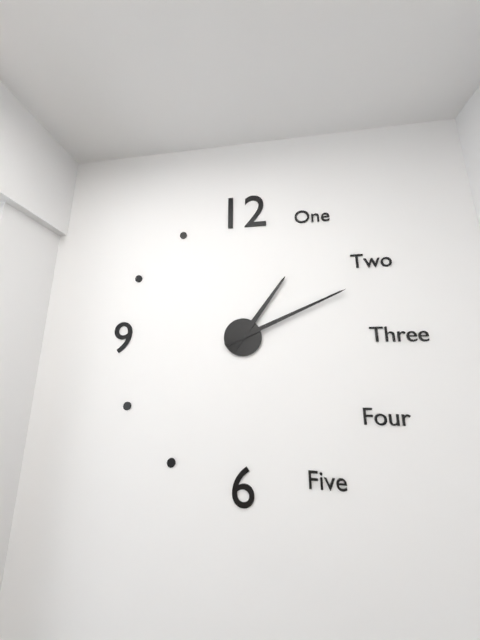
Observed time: 1.11
